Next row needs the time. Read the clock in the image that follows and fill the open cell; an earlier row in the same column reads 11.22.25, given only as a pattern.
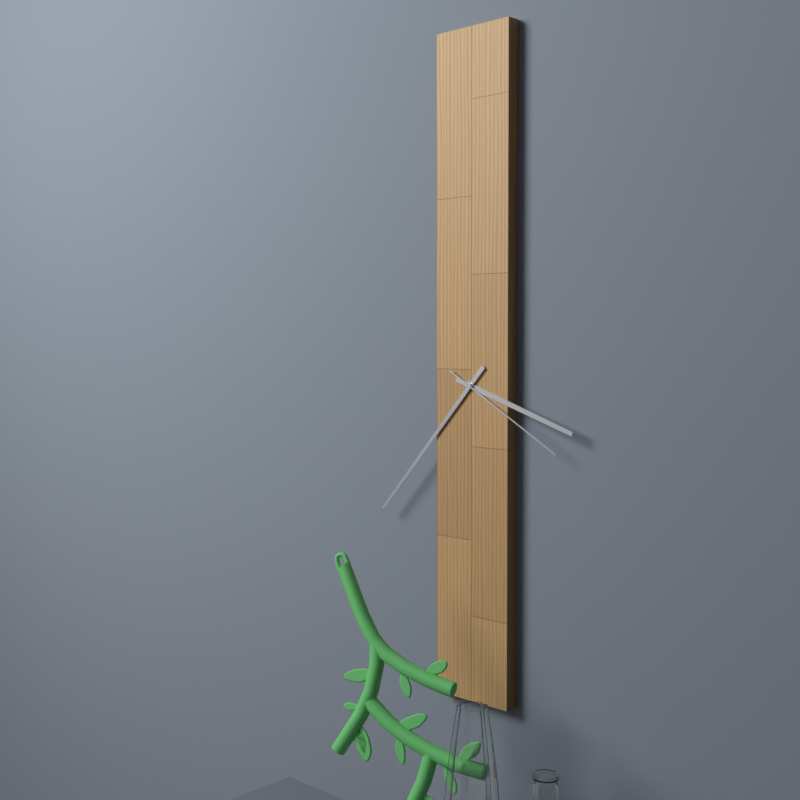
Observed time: 3.37.20
